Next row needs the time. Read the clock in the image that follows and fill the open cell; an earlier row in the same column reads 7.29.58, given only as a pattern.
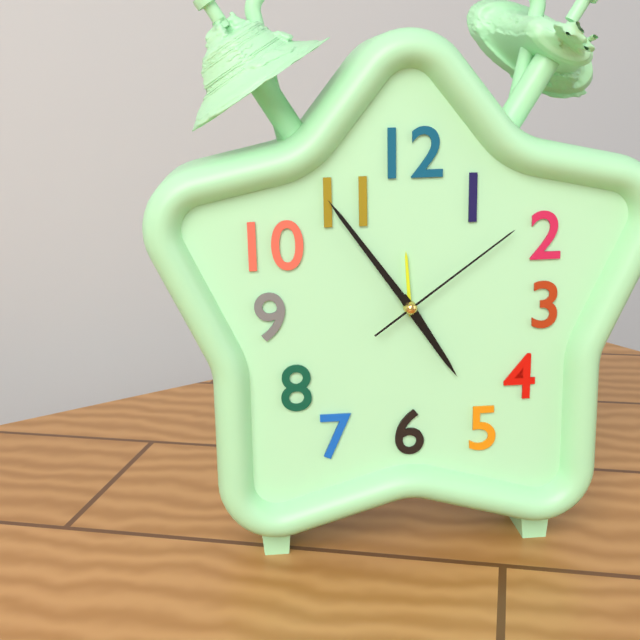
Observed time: 4.54.09
